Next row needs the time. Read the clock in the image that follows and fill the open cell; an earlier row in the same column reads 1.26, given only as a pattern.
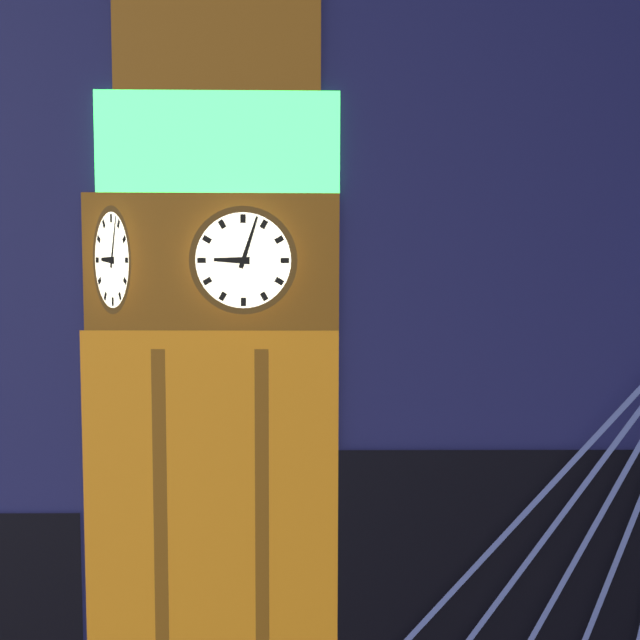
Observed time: 9.03
